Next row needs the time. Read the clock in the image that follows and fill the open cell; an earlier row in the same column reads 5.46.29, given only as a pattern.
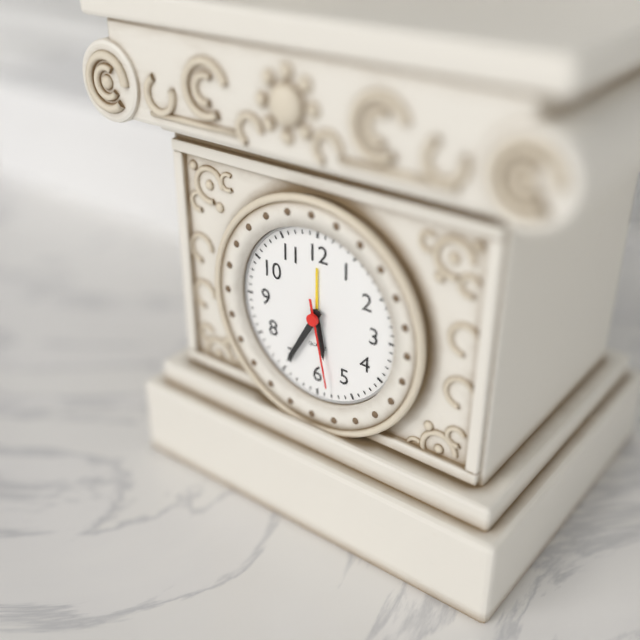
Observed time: 5.35.28
